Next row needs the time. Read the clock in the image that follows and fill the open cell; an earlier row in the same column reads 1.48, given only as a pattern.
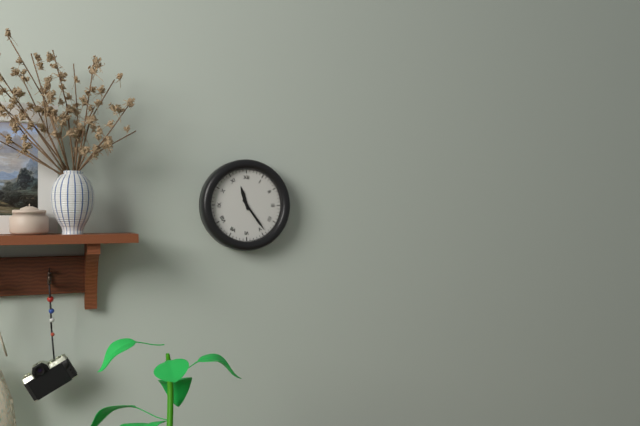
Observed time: 11.24
